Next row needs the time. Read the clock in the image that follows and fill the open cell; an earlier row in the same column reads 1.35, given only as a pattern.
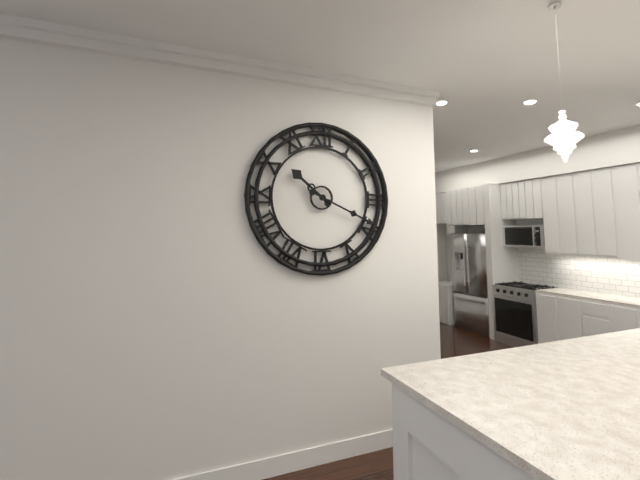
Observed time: 10.19
